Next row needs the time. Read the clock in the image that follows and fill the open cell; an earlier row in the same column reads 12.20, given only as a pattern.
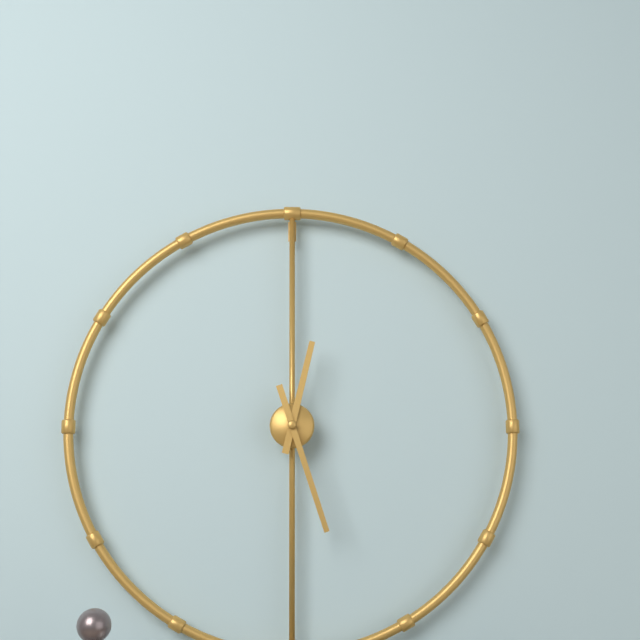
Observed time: 12.27
